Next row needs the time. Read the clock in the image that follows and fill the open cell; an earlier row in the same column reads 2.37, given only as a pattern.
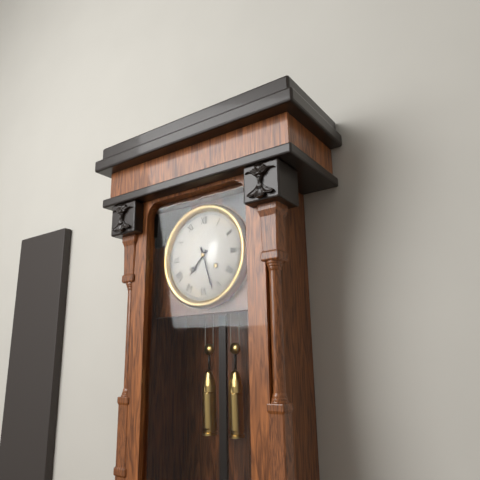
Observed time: 7.27
